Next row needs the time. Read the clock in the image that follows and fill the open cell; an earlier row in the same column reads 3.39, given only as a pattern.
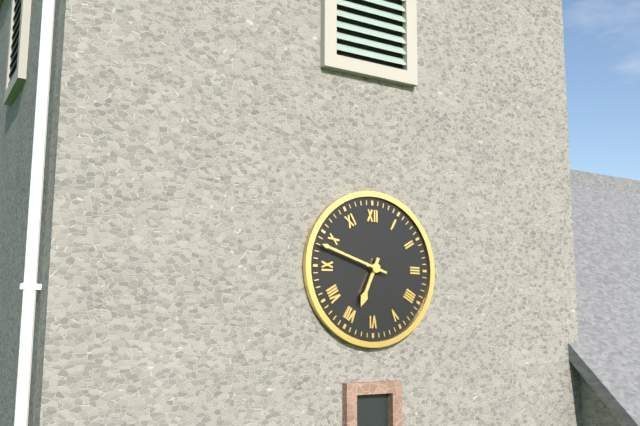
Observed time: 6.48
